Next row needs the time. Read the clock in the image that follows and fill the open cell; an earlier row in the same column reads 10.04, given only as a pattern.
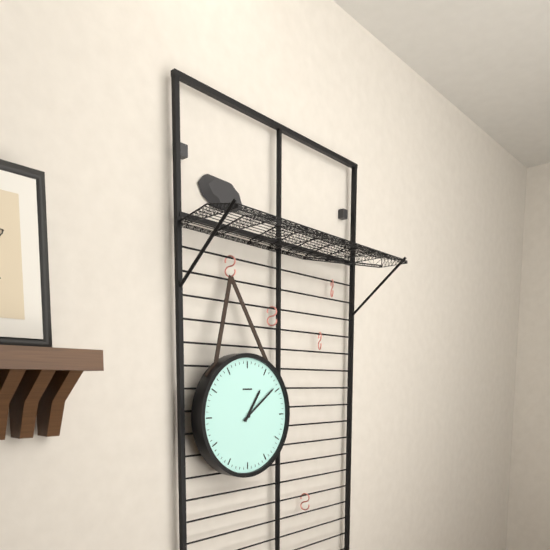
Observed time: 1.09
